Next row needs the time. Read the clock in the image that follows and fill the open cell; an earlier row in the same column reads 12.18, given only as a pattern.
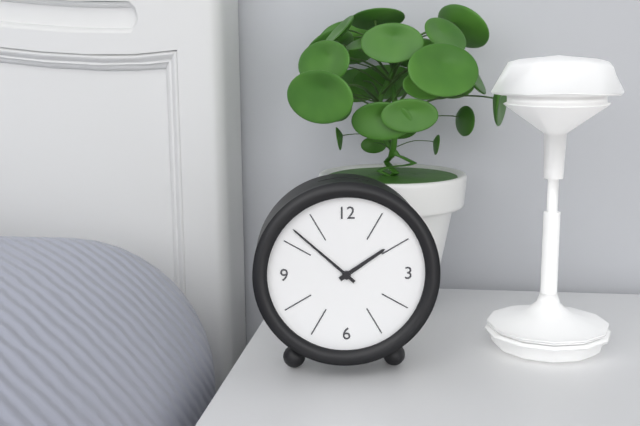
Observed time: 1.52
